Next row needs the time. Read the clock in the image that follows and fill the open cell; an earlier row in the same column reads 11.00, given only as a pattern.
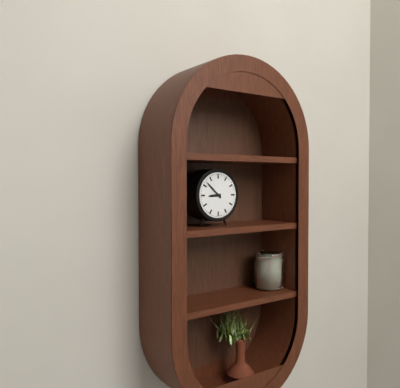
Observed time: 8.52
